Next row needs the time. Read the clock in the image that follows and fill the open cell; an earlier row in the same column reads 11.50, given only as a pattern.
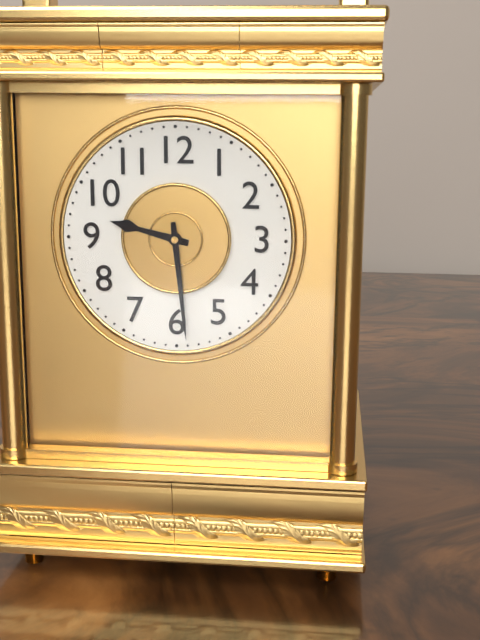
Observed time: 9.29
